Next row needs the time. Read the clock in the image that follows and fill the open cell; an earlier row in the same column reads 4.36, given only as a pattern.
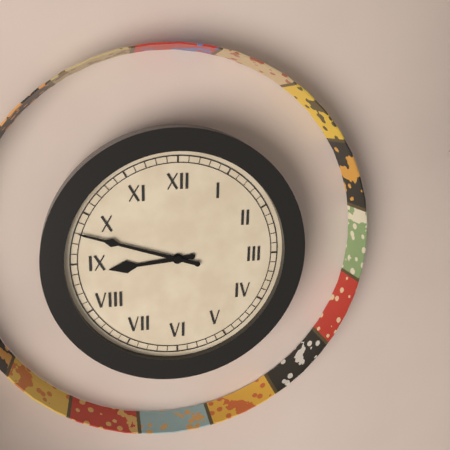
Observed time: 8.48
